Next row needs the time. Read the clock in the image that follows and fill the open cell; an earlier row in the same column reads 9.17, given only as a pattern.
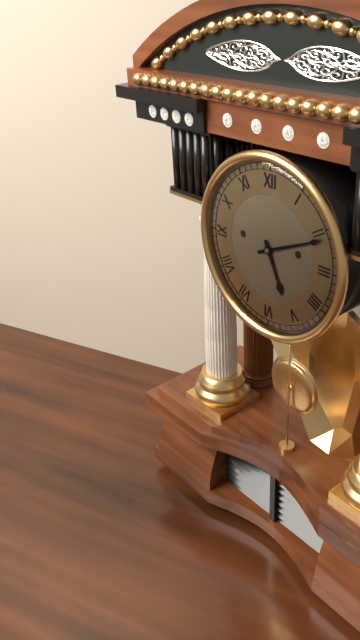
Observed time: 5.11
